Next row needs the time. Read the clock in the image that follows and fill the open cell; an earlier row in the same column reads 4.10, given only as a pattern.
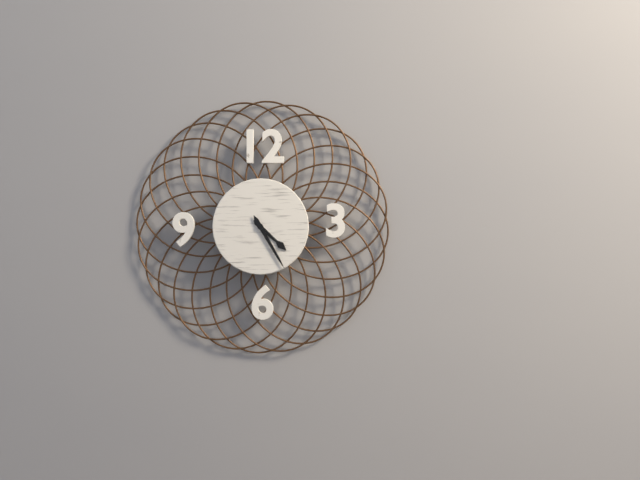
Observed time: 4.25
